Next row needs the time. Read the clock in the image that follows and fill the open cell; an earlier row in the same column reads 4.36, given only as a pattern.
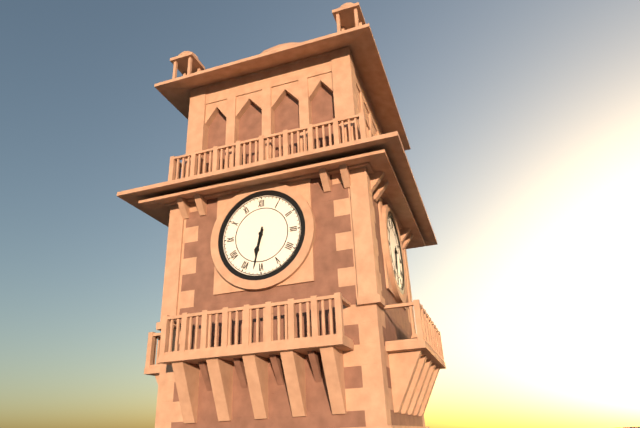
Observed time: 6.32
